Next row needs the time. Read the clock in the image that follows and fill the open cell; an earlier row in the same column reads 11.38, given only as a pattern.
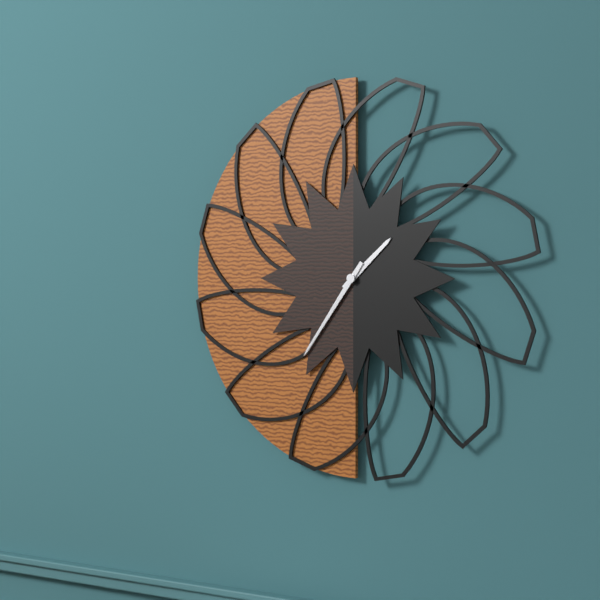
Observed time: 1.36
